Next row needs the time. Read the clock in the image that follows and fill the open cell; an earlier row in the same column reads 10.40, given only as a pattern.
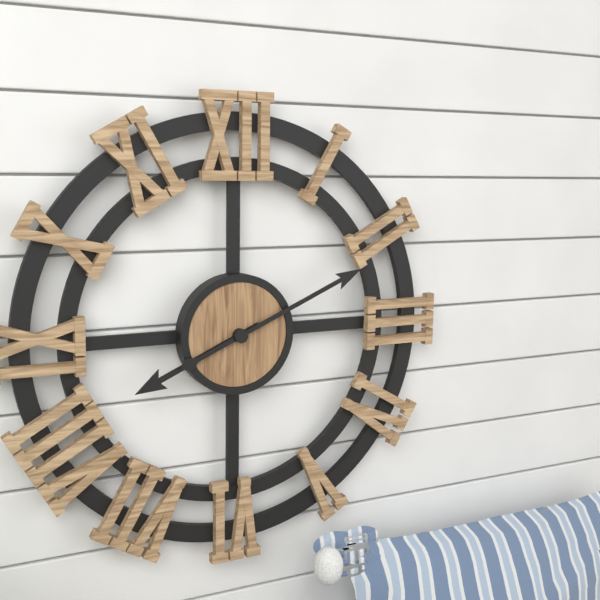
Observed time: 8.11
